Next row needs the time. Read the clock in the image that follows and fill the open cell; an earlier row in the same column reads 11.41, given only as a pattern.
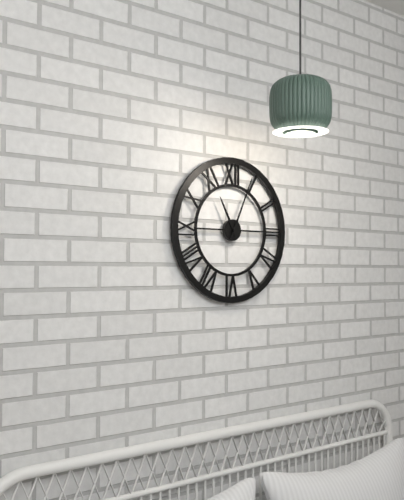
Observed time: 11.04
